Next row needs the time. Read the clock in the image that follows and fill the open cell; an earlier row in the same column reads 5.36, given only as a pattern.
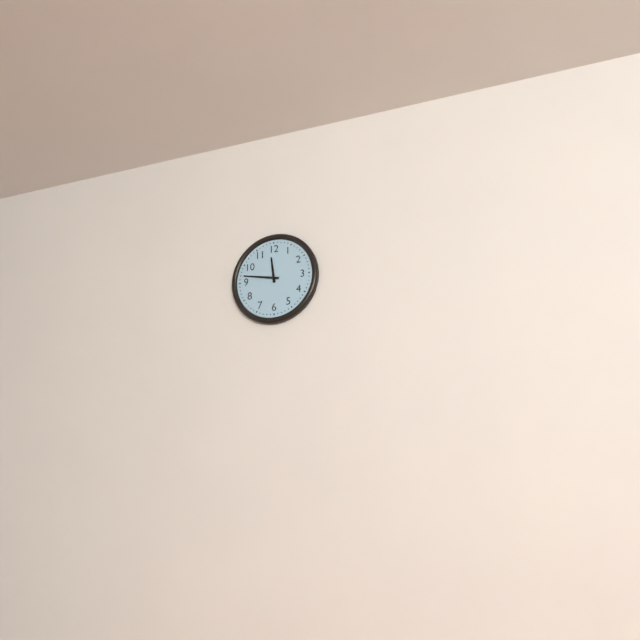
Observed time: 11.47
